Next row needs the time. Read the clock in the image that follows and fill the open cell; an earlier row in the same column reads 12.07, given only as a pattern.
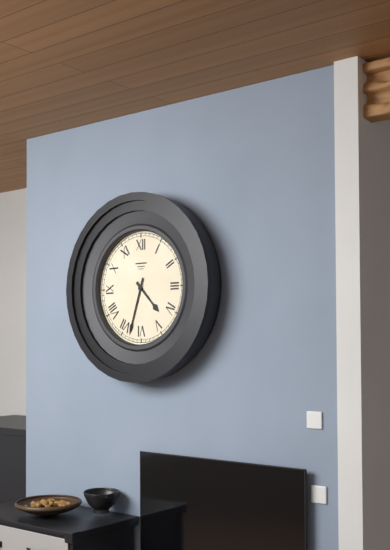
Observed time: 4.33
